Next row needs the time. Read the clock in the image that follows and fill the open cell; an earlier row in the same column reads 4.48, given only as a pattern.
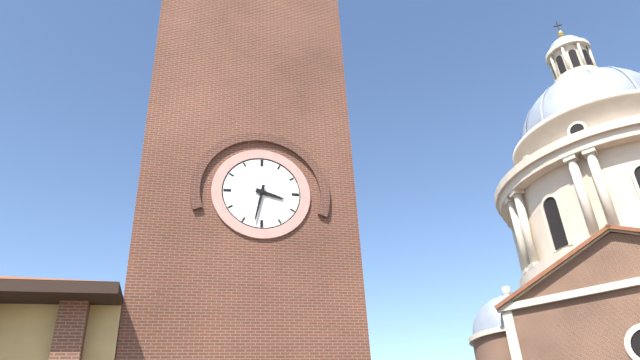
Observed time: 3.32
